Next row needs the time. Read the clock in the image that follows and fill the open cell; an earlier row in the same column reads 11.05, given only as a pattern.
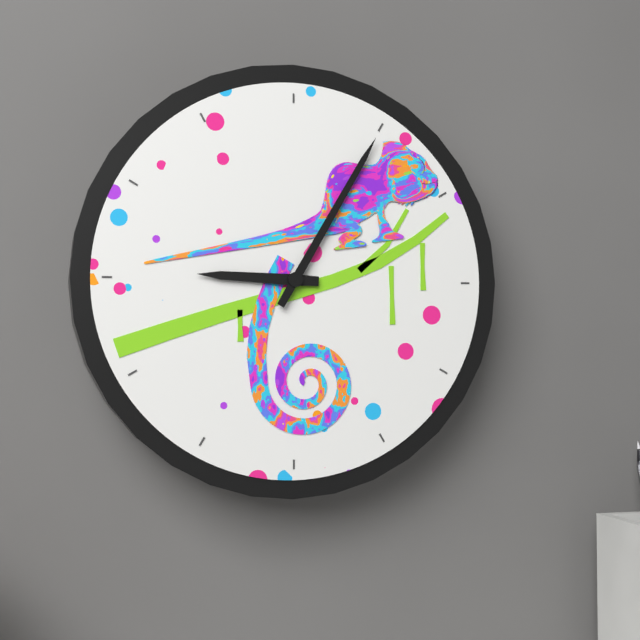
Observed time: 9.05
